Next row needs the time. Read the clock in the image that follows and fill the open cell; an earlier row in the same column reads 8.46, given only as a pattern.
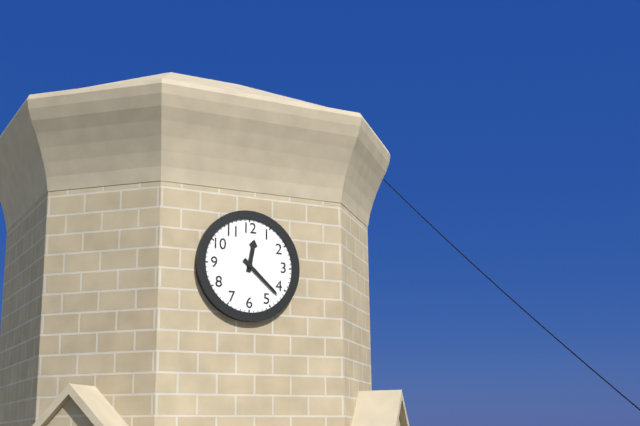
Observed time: 12.22
